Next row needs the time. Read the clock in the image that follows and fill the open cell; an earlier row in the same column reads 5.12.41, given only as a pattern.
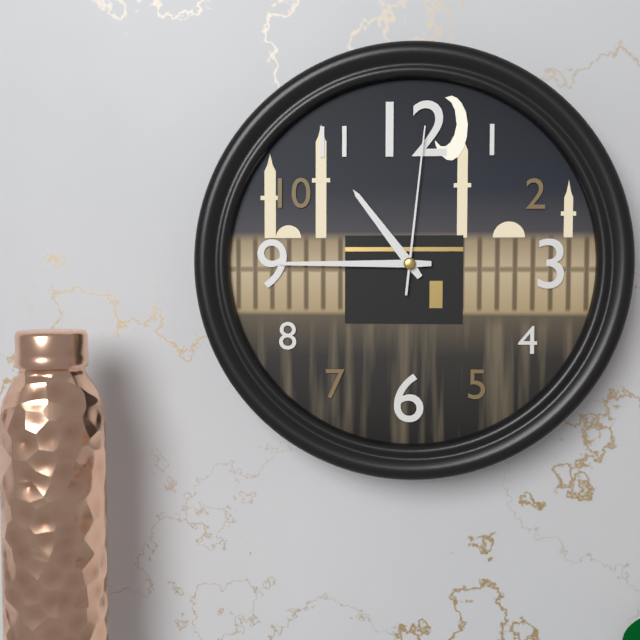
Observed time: 10.45.01
